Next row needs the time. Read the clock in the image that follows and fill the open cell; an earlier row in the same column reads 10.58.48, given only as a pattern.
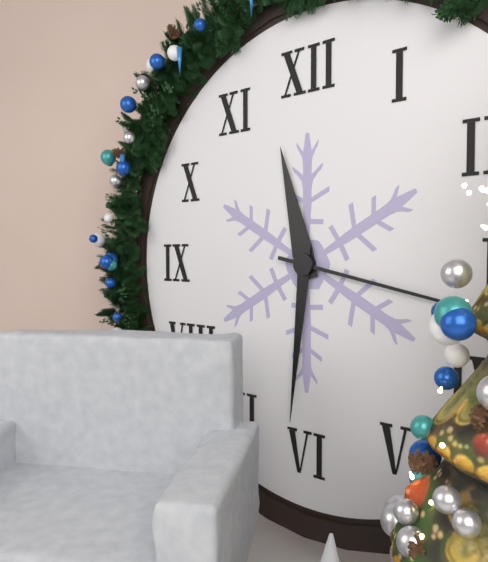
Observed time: 11.31.17
